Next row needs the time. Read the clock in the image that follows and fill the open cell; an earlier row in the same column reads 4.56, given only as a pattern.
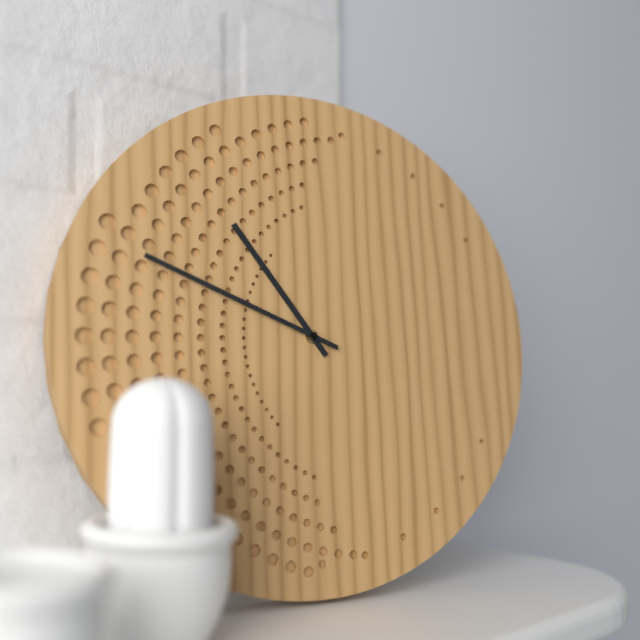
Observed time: 10.49
